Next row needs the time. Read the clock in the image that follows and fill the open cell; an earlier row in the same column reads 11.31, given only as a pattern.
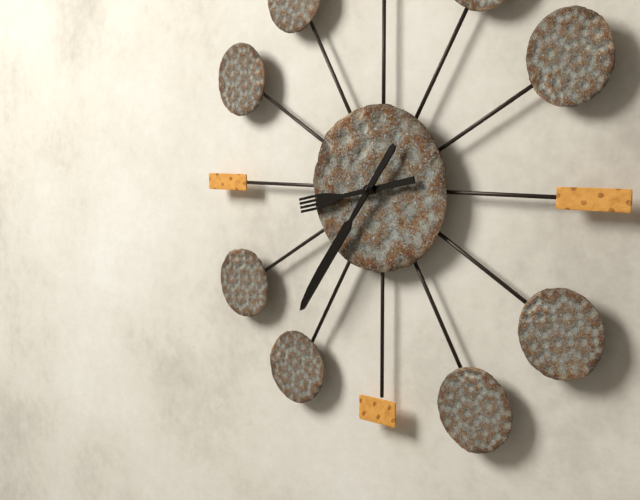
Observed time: 8.36
